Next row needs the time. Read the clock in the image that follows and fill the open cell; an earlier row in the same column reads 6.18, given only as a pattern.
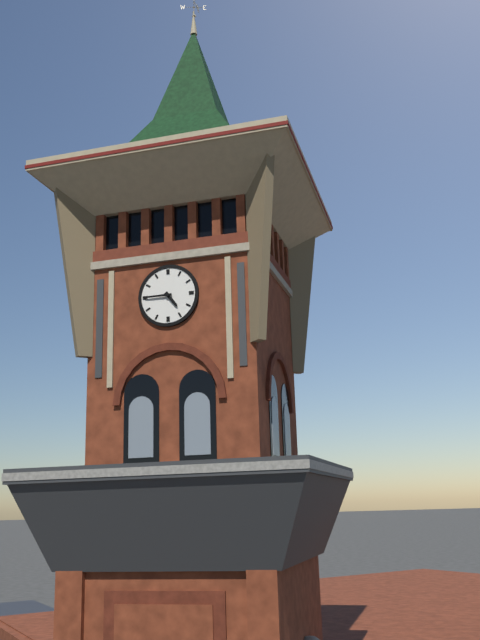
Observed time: 4.45
